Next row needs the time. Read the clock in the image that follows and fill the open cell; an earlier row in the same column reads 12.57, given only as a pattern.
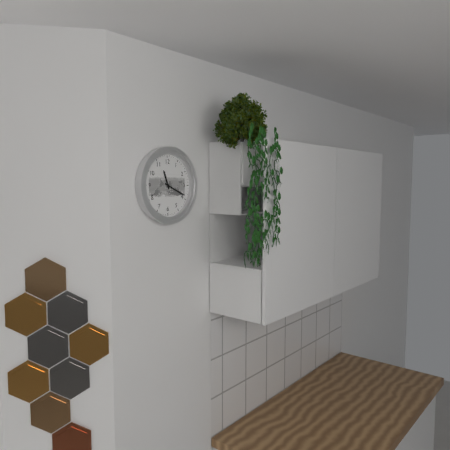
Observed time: 11.19
